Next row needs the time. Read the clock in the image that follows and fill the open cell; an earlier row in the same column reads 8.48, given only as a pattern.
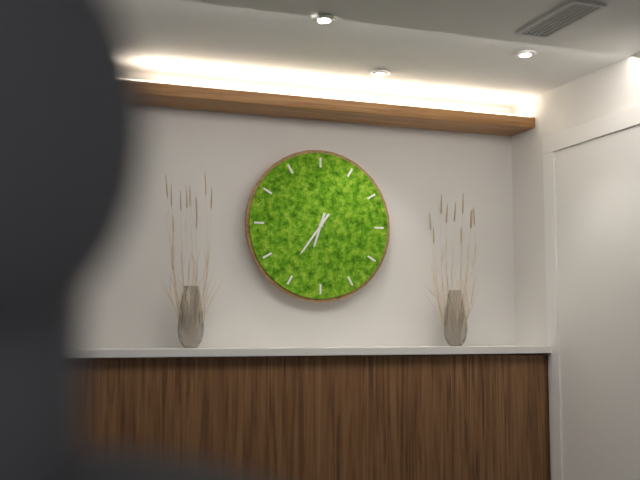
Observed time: 6.36
